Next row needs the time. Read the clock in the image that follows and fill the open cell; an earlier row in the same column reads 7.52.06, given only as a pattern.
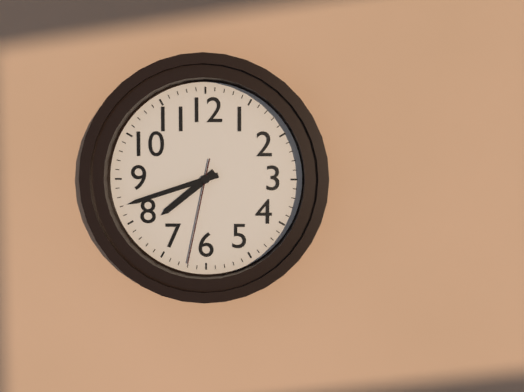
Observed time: 7.42.32
